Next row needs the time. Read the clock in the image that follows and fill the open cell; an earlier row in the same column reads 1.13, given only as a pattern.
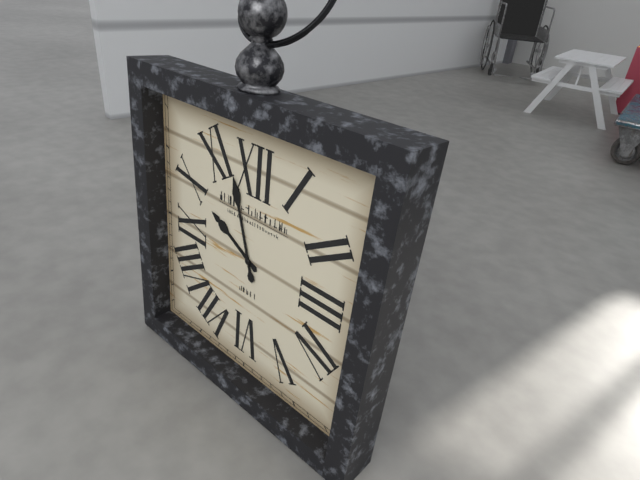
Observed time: 9.57
